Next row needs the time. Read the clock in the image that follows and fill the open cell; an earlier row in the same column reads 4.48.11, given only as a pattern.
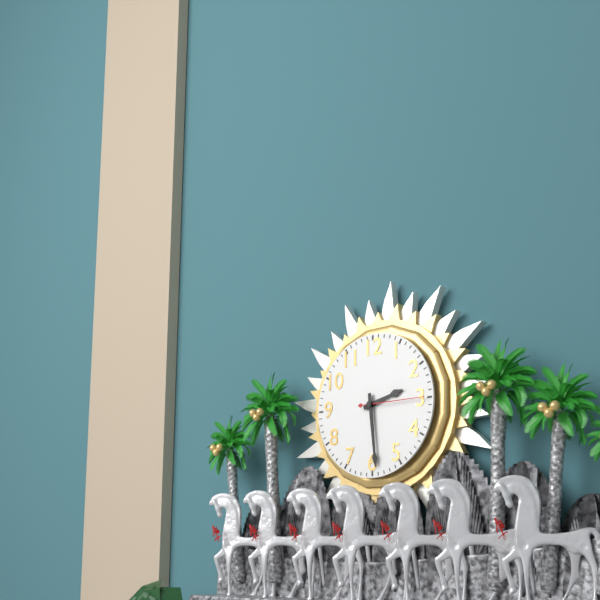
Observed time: 2.29.15
